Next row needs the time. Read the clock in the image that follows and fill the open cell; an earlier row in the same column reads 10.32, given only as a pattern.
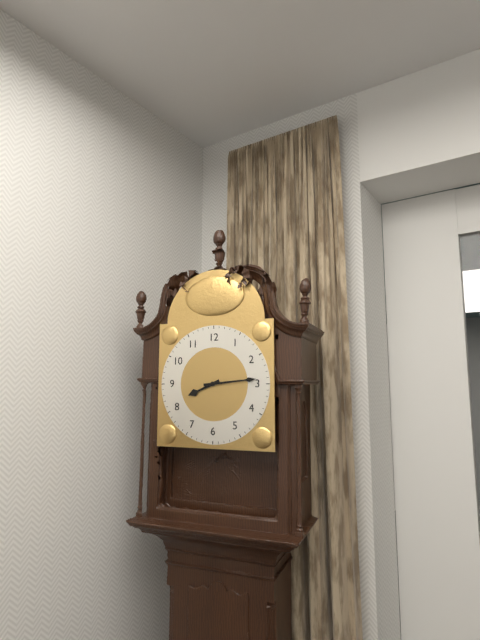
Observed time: 8.14
